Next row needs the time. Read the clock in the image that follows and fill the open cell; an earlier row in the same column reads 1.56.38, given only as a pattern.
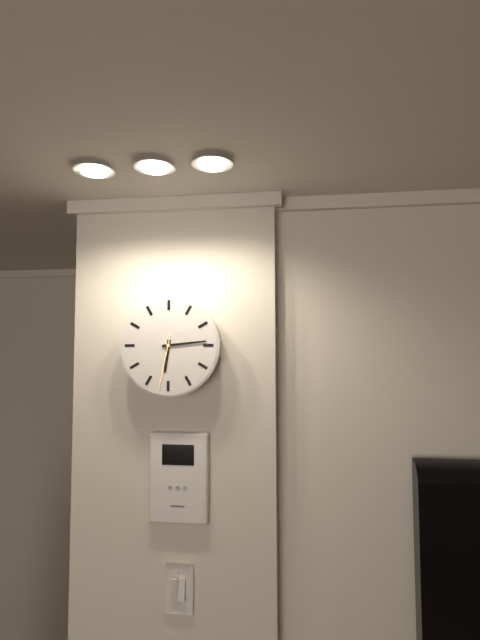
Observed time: 6.14.32
